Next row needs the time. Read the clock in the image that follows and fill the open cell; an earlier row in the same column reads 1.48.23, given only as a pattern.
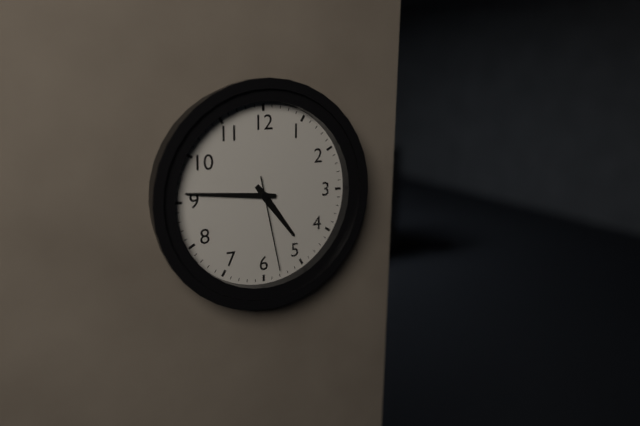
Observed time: 4.46.28
